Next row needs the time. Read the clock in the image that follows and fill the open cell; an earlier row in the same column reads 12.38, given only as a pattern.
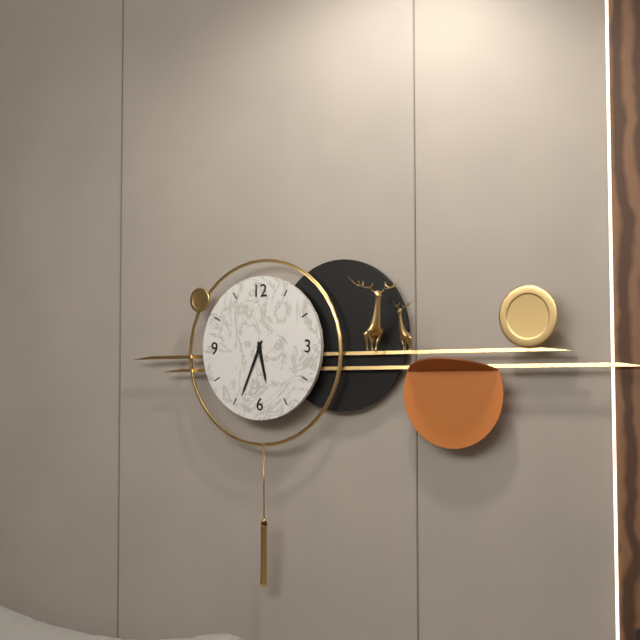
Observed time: 5.34
